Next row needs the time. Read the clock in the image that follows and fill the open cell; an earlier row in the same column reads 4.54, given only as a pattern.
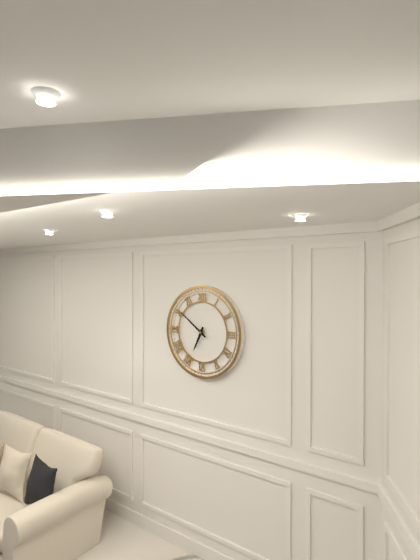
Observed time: 6.51
